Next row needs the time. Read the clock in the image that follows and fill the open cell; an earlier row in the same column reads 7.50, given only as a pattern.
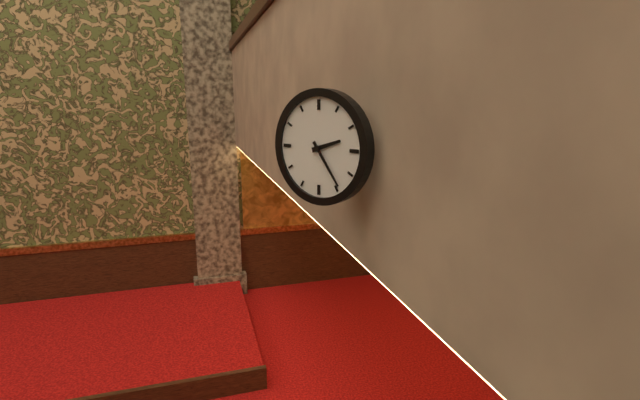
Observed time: 2.24
